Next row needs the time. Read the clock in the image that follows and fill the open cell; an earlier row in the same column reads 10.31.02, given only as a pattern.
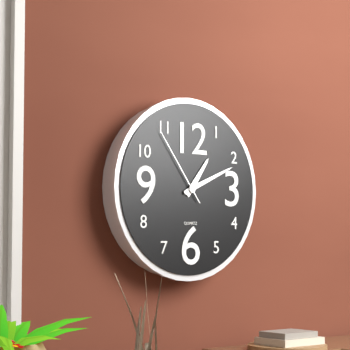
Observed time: 1.11.54
